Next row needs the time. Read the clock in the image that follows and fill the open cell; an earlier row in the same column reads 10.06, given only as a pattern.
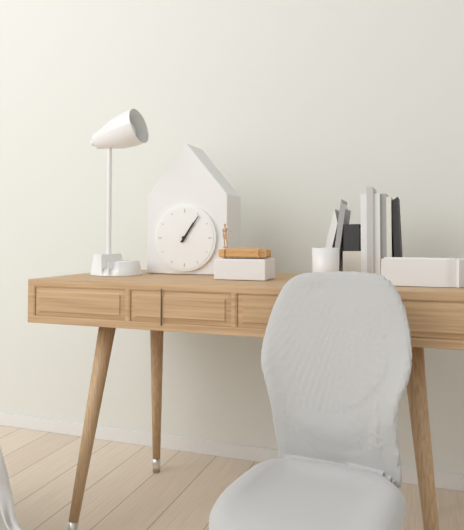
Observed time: 1.06
